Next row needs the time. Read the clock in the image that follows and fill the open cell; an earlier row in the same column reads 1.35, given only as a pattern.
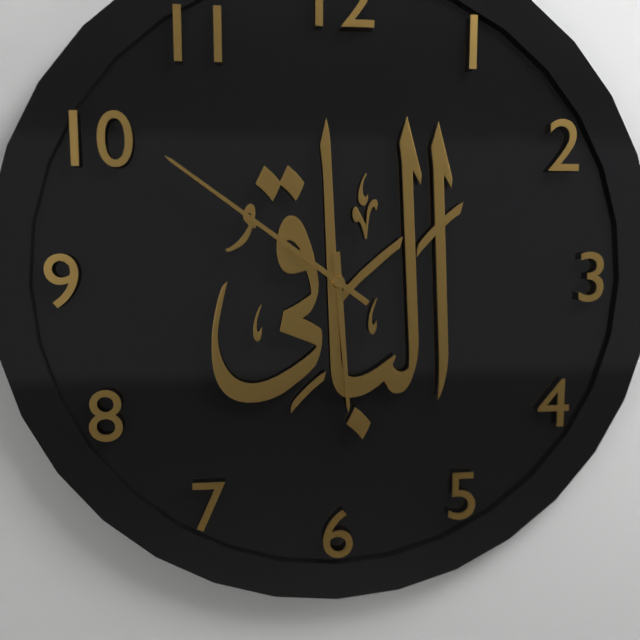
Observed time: 5.51
